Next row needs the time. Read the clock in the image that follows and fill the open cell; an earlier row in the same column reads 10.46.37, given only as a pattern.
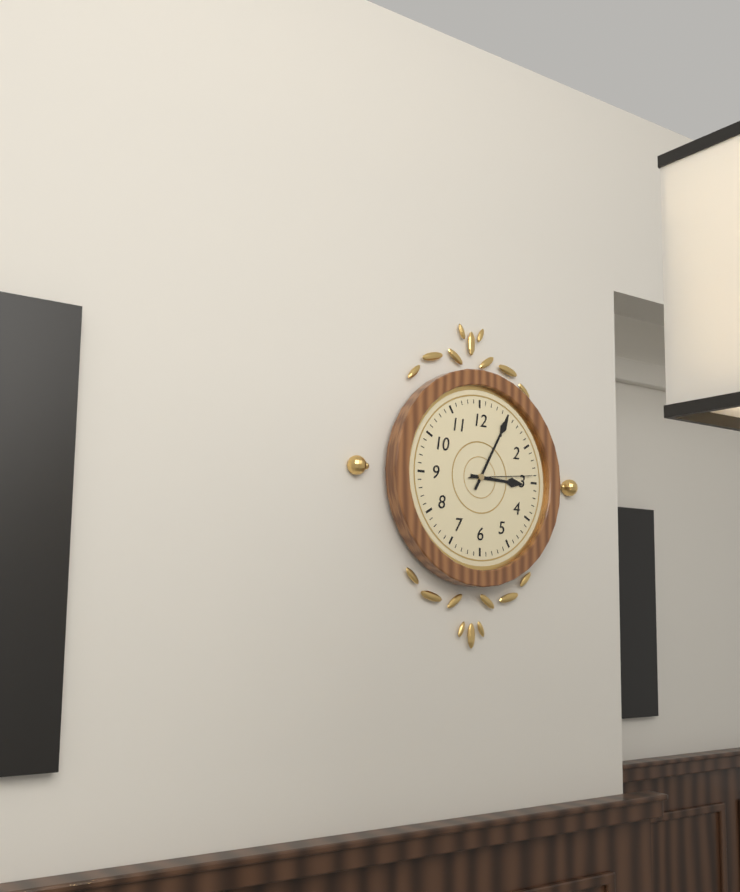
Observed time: 3.05.14
